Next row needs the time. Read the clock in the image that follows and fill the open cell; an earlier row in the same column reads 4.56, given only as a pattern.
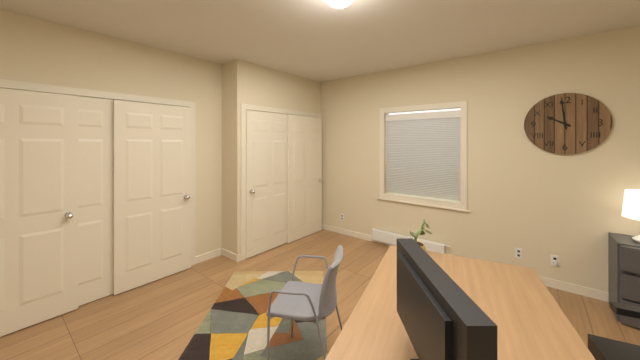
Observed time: 9.59
